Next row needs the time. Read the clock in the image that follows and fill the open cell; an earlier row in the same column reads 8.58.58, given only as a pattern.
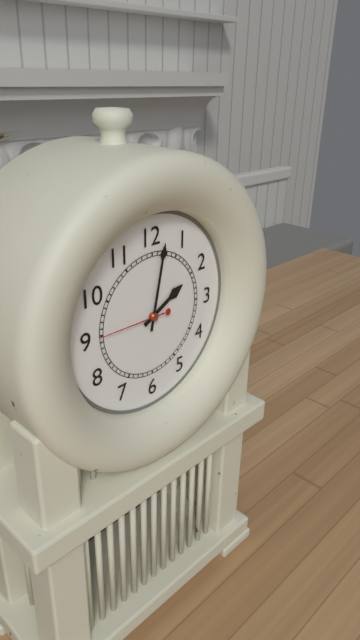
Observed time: 2.02.45
